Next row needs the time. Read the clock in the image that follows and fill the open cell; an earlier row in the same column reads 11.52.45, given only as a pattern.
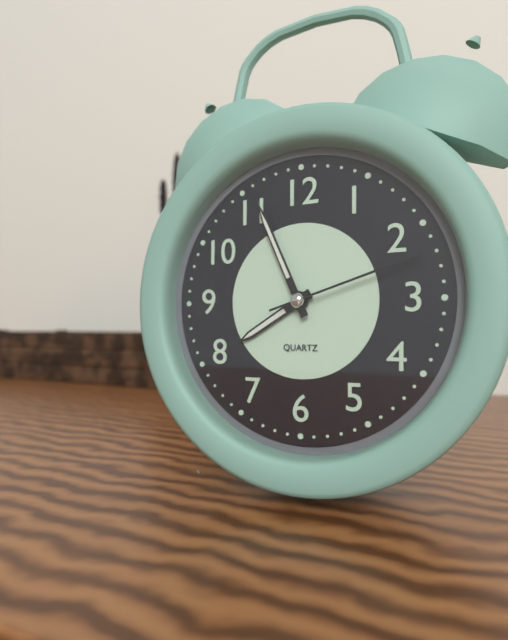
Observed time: 7.56.12
